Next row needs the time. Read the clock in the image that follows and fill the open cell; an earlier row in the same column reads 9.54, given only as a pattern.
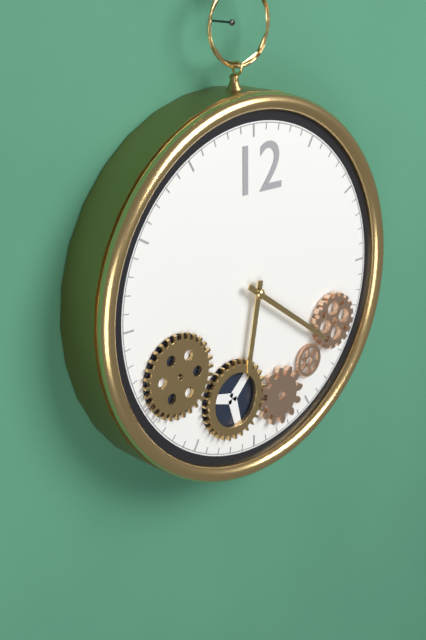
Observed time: 6.21
